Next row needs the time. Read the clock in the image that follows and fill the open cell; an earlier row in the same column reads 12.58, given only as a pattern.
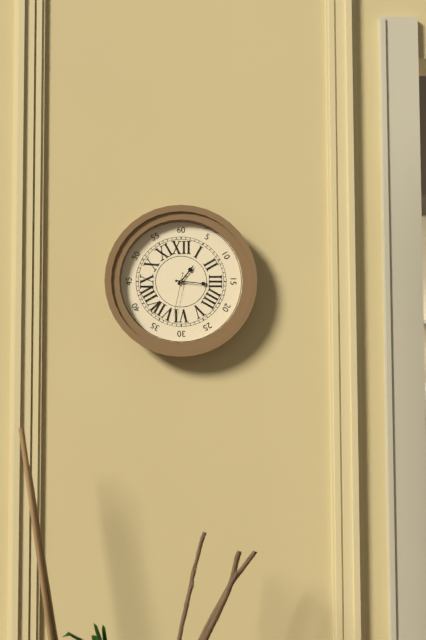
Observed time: 1.16
